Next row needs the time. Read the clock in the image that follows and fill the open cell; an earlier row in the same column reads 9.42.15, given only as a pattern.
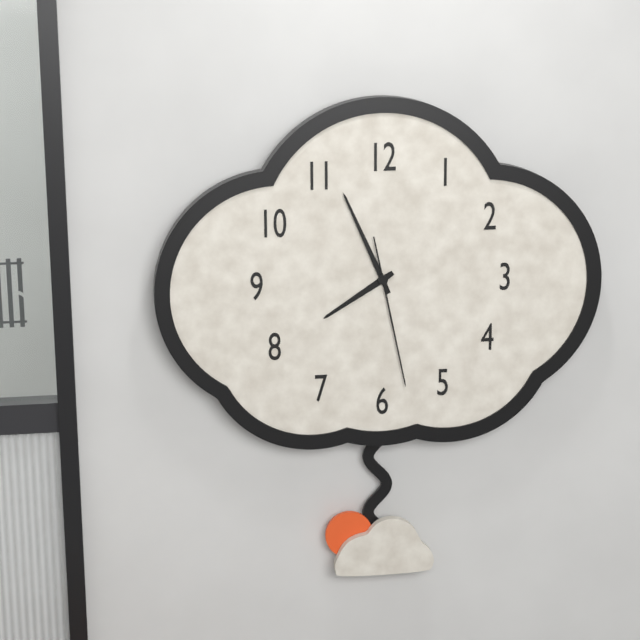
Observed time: 7.56.28
